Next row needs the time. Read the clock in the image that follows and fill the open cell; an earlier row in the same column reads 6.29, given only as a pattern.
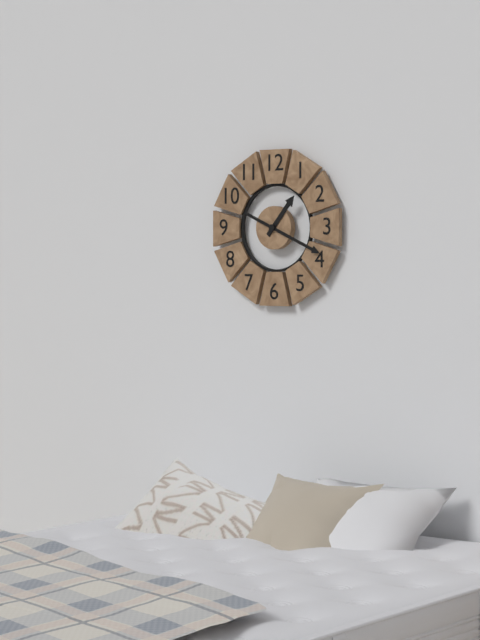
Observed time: 1.19
